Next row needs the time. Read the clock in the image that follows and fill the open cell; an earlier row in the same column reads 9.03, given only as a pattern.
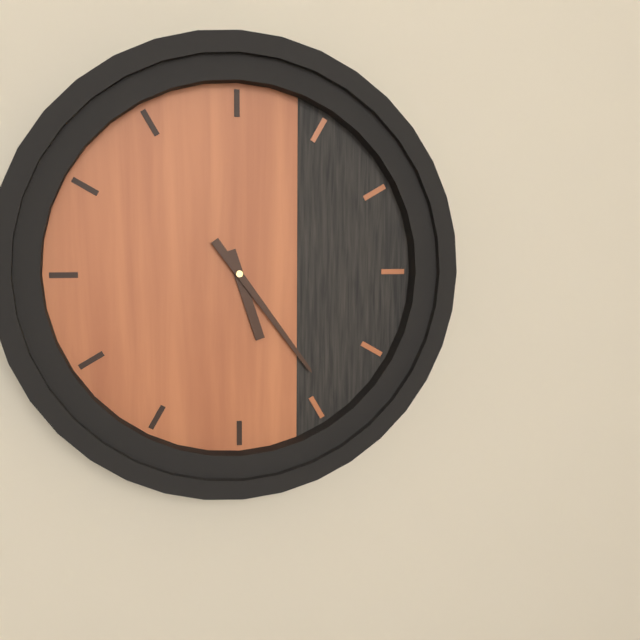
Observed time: 5.24
